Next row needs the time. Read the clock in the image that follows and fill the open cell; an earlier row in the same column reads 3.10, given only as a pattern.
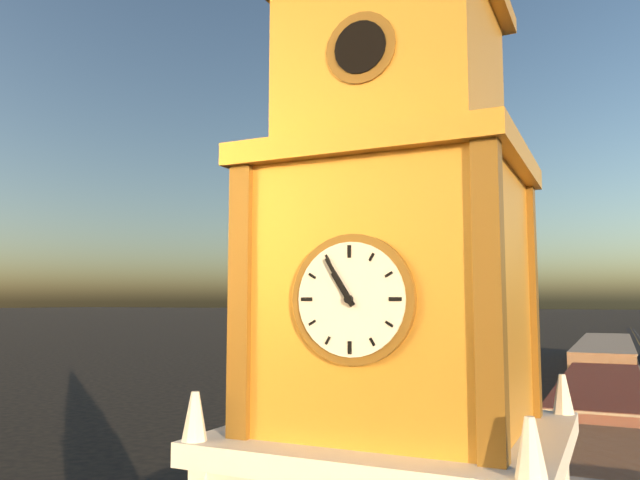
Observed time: 10.55
